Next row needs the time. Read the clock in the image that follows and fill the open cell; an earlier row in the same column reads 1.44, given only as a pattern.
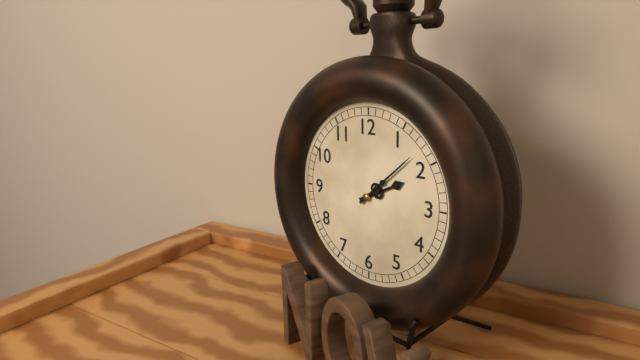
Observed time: 2.08
